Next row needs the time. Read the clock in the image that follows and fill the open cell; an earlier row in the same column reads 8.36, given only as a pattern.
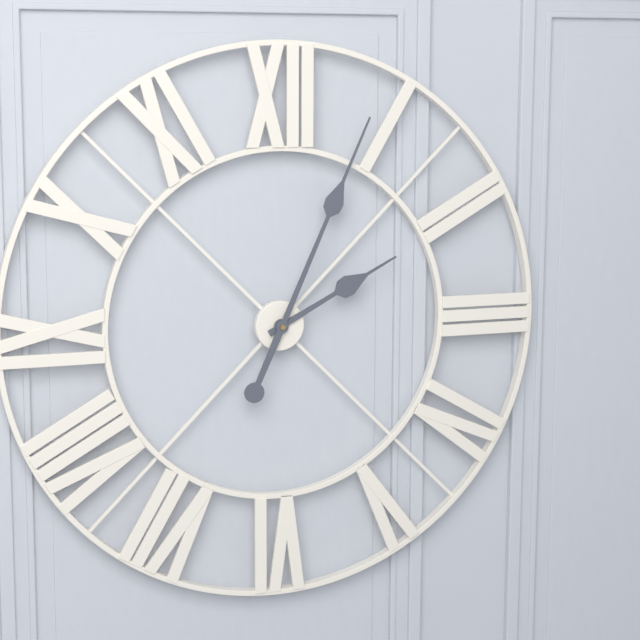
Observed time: 2.04
